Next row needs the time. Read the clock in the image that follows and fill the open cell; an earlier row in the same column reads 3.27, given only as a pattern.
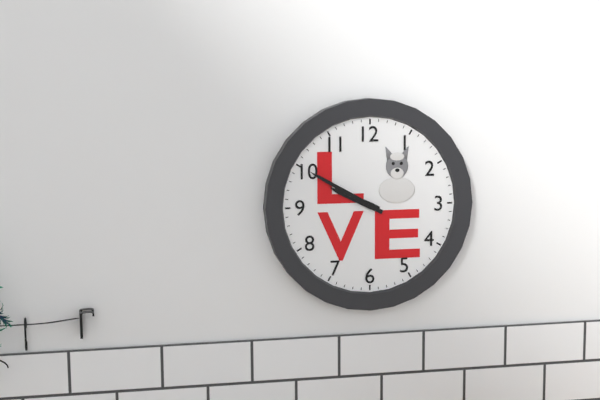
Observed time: 9.50
